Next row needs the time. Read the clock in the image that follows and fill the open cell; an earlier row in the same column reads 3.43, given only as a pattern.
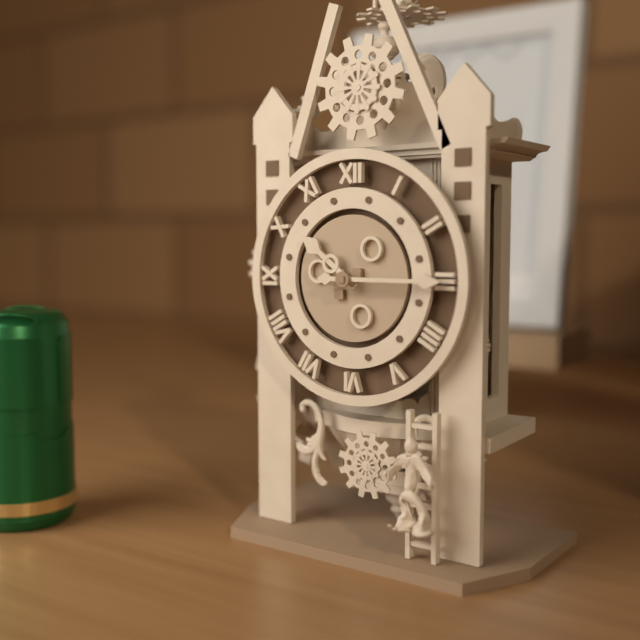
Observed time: 10.15
